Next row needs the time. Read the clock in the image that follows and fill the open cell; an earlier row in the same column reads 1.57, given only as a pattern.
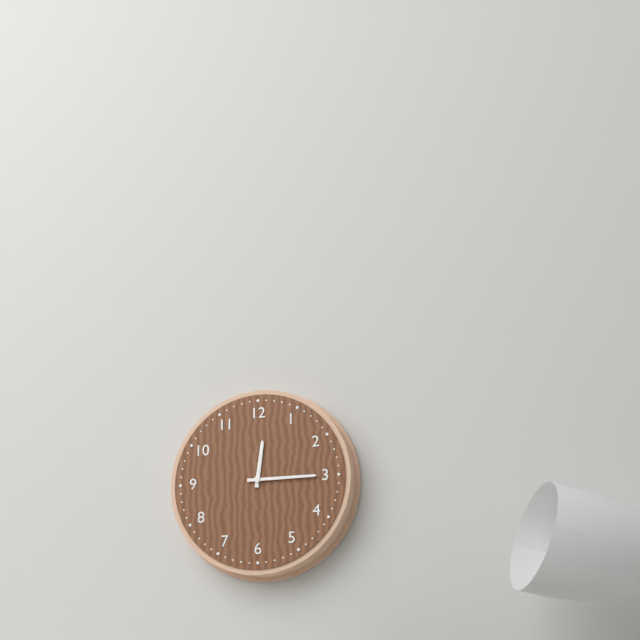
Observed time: 12.15
